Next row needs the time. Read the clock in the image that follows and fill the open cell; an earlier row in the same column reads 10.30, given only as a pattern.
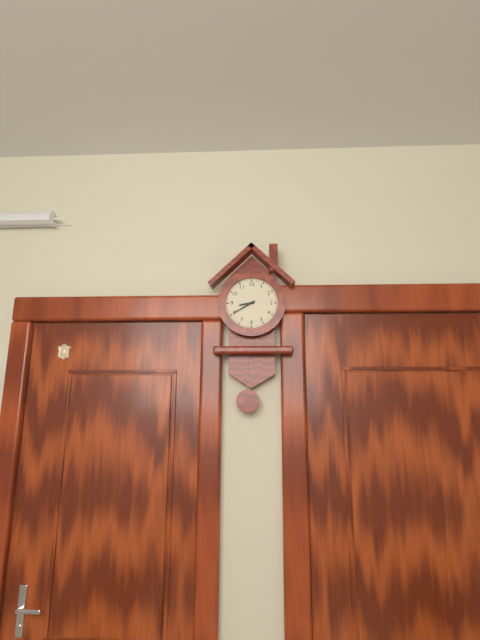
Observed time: 8.40
